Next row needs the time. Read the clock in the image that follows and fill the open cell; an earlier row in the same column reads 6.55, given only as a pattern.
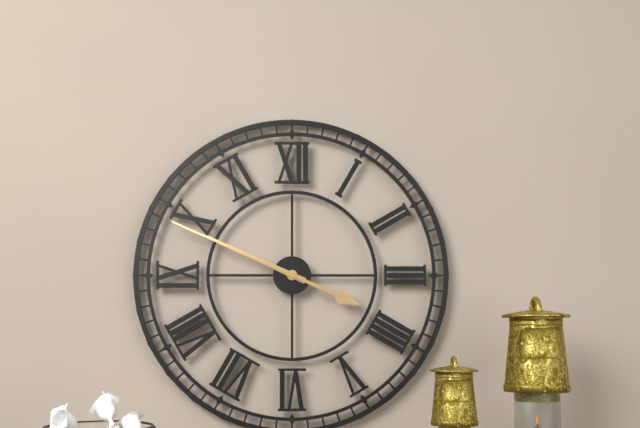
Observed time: 9.49
